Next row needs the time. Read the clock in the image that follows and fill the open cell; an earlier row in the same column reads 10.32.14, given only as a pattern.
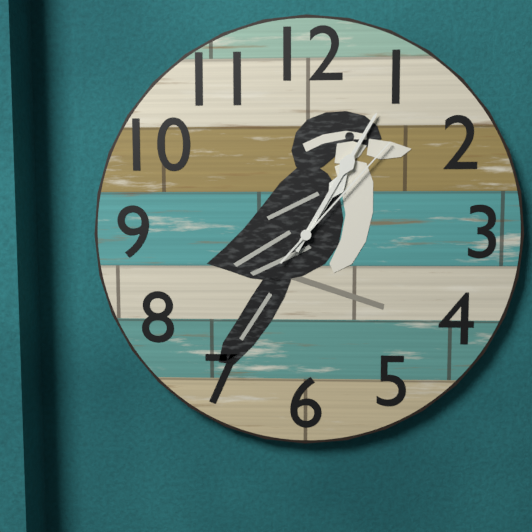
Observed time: 1.05.07
